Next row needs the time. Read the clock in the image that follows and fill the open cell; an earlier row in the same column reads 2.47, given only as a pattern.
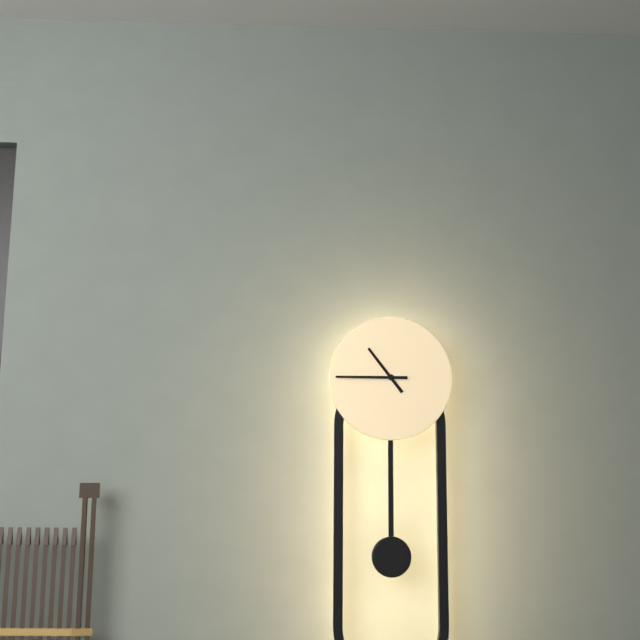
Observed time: 10.45
